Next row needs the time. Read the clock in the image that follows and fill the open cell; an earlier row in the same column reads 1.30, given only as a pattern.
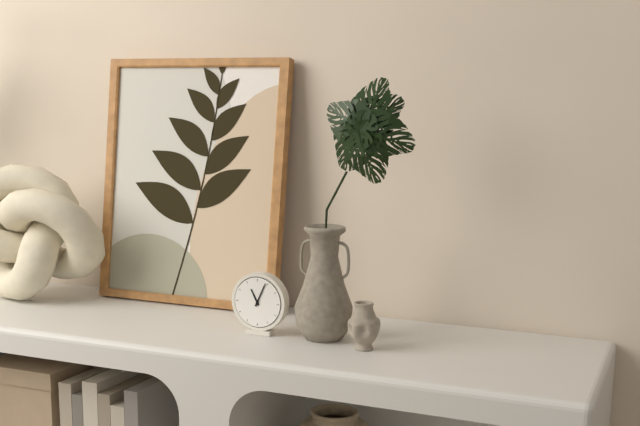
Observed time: 11.04
